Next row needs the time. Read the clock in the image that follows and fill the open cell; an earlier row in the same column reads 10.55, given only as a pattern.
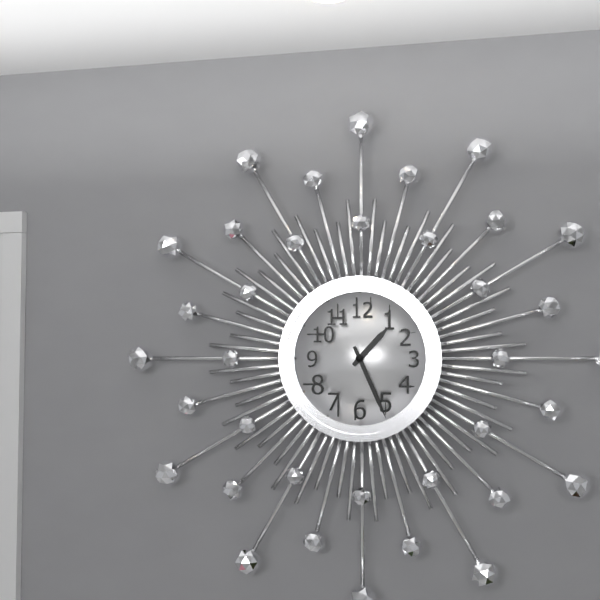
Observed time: 1.26
